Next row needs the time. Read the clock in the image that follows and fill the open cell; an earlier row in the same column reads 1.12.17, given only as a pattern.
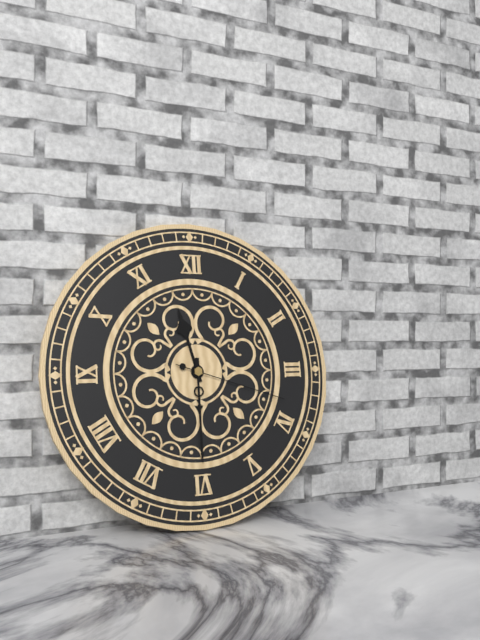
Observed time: 11.30.18
